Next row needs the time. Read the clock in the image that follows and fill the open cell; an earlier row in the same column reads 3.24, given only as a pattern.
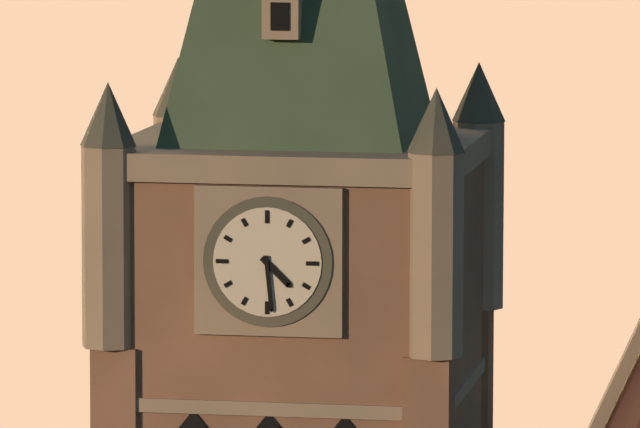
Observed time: 4.29
